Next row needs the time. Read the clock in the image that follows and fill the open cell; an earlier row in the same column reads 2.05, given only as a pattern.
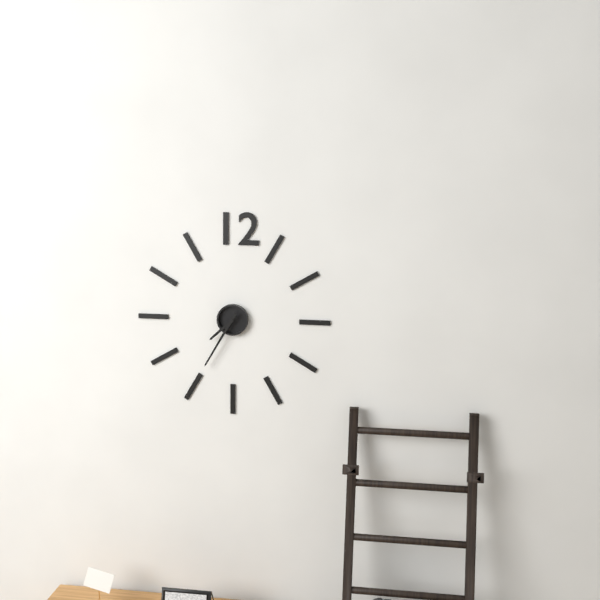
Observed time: 7.35
